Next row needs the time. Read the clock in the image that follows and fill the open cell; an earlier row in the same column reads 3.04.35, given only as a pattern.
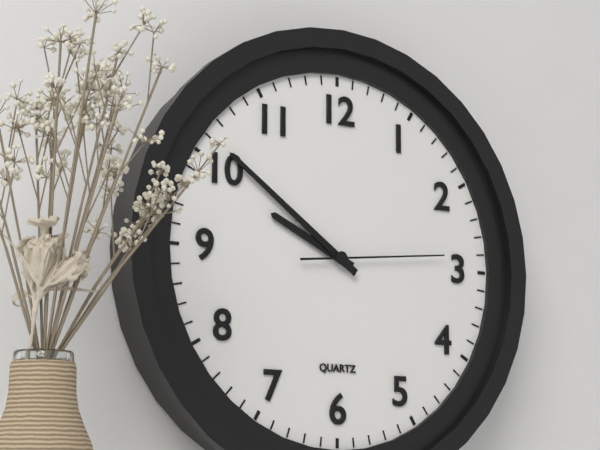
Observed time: 9.51.14
